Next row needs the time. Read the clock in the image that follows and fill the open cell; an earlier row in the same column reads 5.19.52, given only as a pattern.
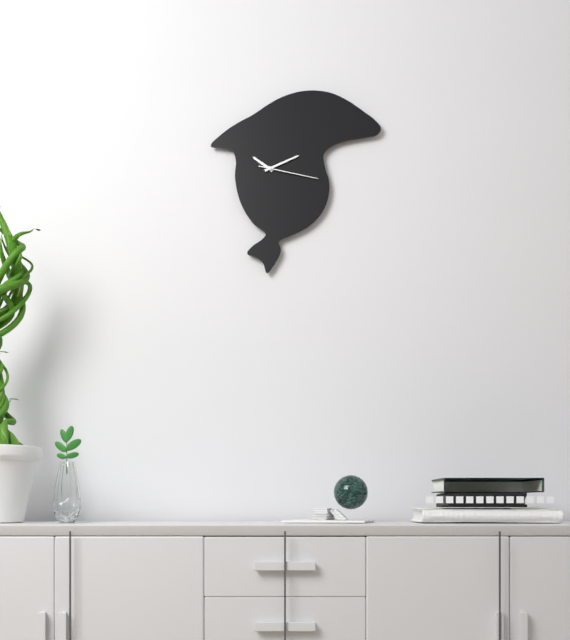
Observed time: 10.11.17
